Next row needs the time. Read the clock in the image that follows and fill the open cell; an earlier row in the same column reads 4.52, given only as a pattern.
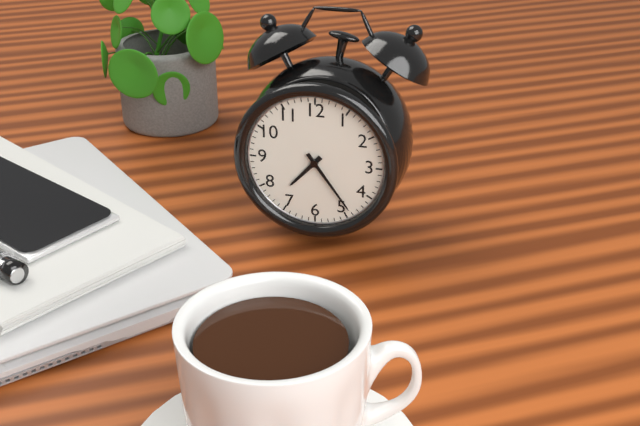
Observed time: 7.24
